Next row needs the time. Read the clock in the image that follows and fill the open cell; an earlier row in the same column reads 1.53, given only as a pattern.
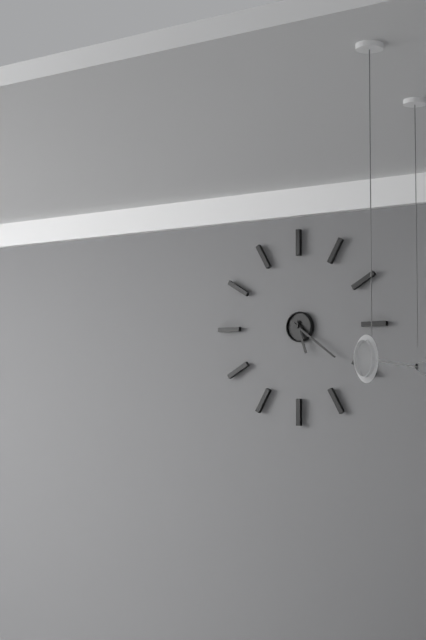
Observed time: 5.21
